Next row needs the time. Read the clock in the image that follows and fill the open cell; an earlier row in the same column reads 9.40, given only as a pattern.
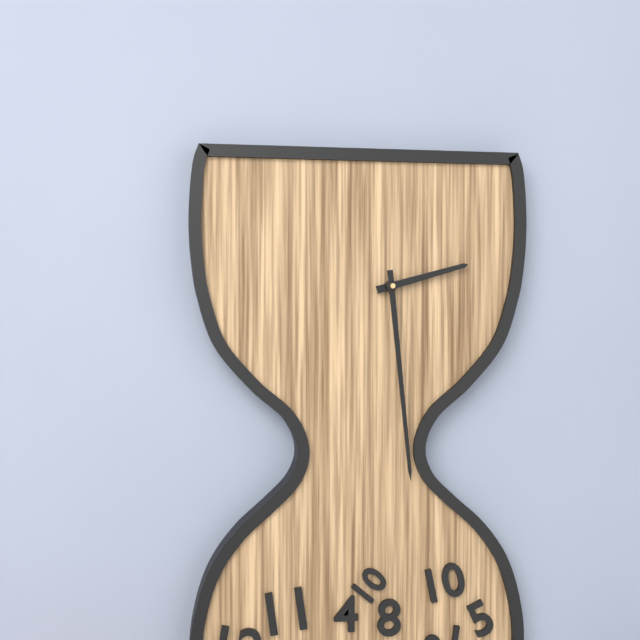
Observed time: 2.29
